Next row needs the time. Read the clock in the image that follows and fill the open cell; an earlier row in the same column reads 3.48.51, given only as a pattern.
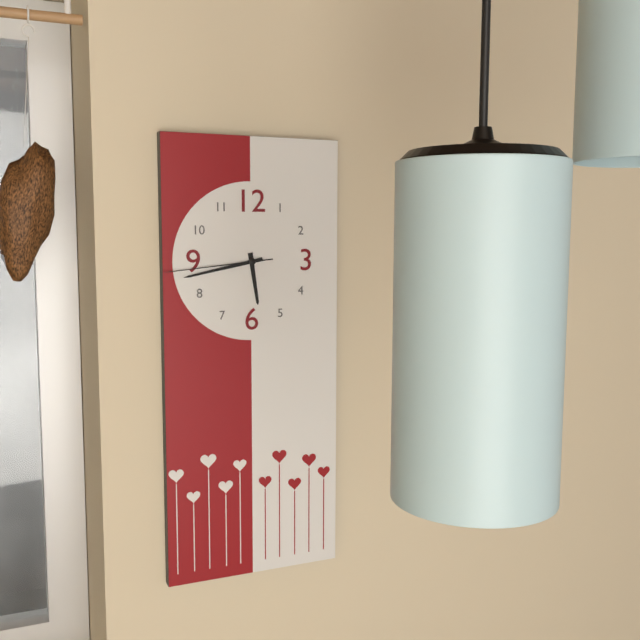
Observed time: 5.43.44
